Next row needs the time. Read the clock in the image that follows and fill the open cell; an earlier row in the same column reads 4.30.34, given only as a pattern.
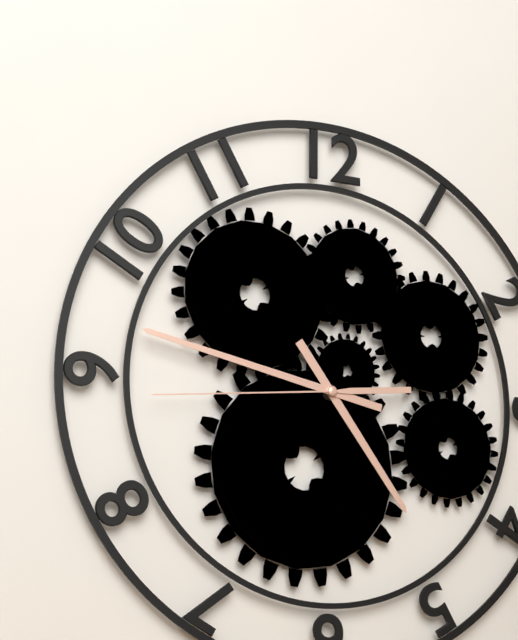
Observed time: 4.47.44
